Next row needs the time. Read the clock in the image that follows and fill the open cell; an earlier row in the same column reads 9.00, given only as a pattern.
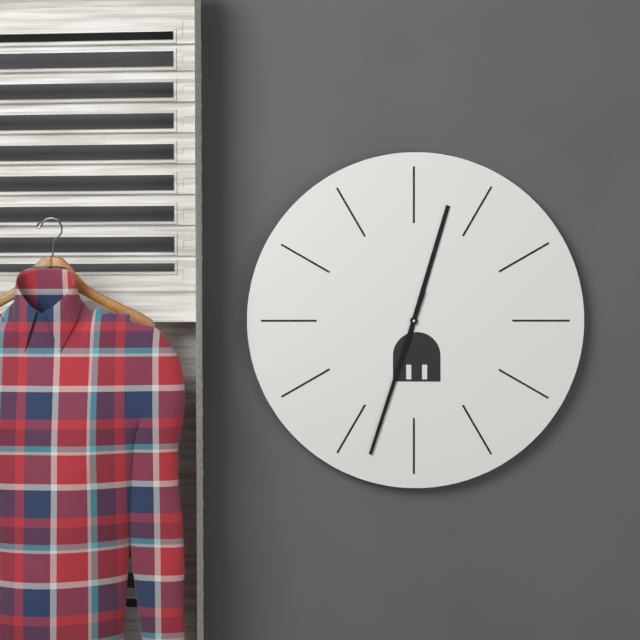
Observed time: 12.33
